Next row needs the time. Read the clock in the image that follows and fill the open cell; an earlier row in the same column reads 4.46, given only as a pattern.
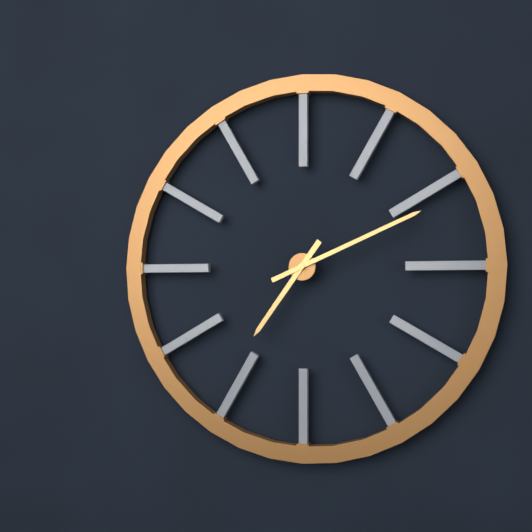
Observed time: 7.11
